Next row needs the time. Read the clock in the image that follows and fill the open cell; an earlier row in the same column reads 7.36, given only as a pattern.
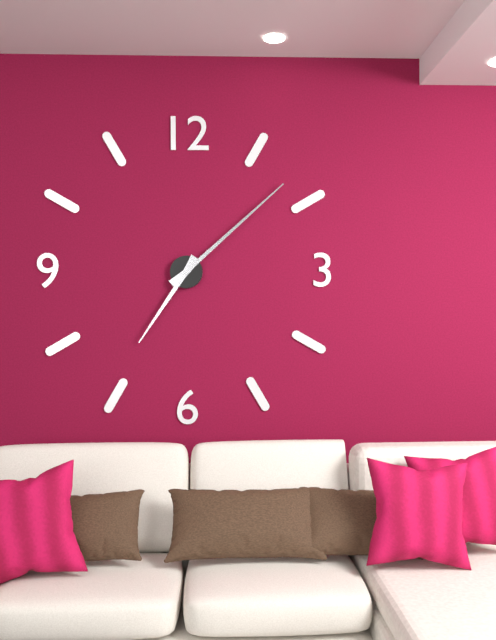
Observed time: 7.08
